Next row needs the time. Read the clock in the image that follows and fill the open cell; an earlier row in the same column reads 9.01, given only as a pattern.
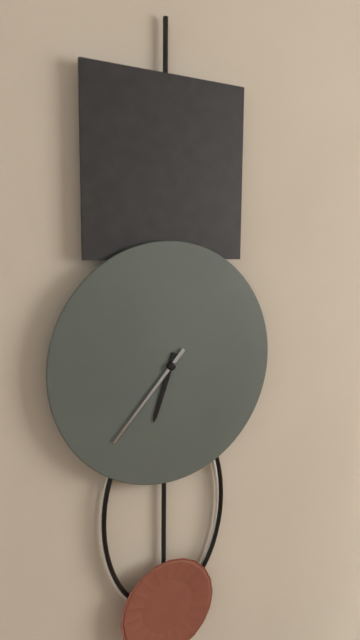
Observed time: 6.37
